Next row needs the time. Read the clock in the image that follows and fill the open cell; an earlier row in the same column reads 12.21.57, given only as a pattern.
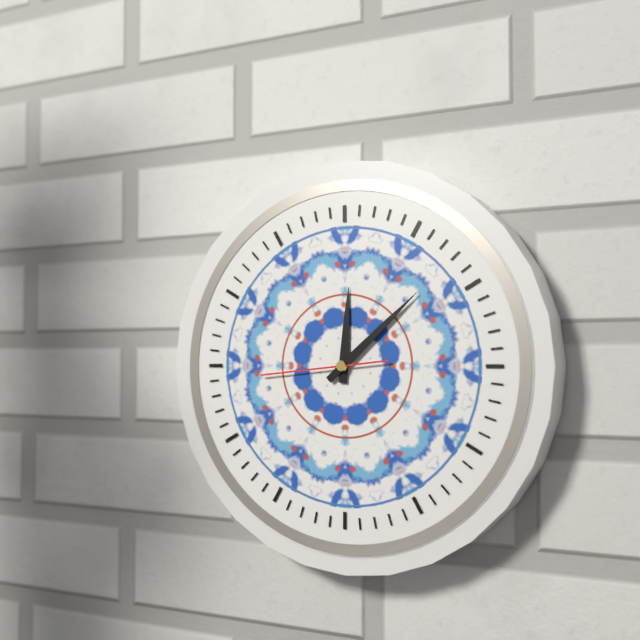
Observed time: 12.08.44
